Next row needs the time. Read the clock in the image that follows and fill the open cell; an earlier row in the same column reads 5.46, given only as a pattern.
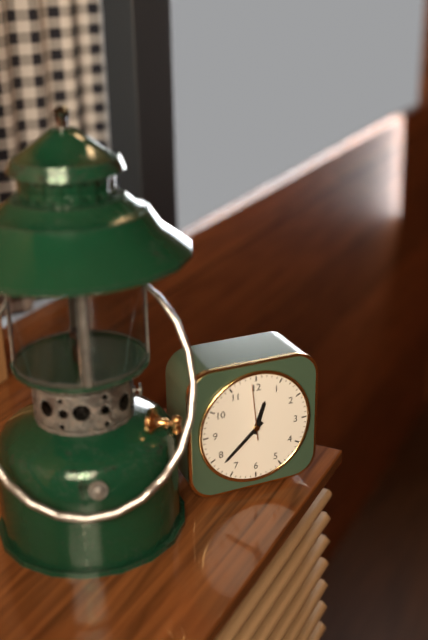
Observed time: 12.38
